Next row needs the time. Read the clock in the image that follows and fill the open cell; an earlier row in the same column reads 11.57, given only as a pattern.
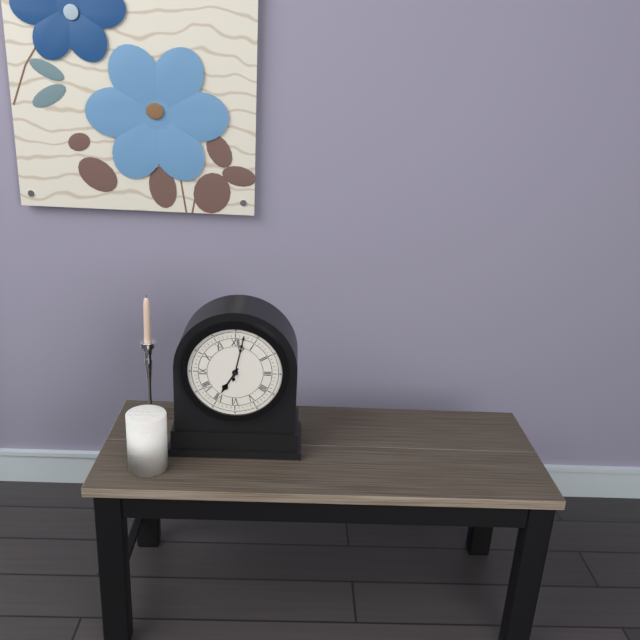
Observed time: 7.02
